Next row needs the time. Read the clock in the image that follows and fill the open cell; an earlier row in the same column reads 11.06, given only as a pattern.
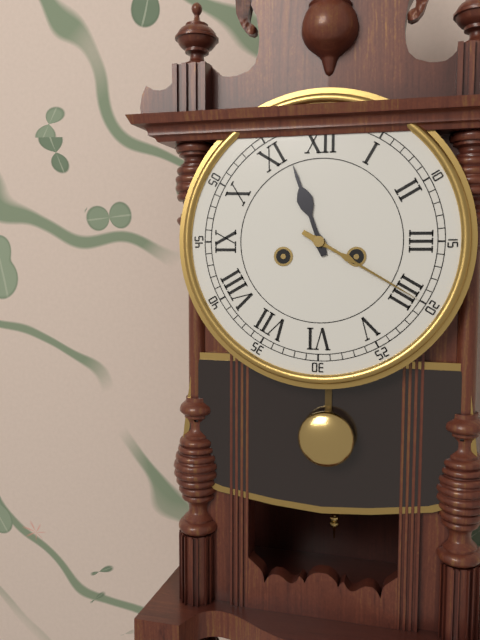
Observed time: 11.20
